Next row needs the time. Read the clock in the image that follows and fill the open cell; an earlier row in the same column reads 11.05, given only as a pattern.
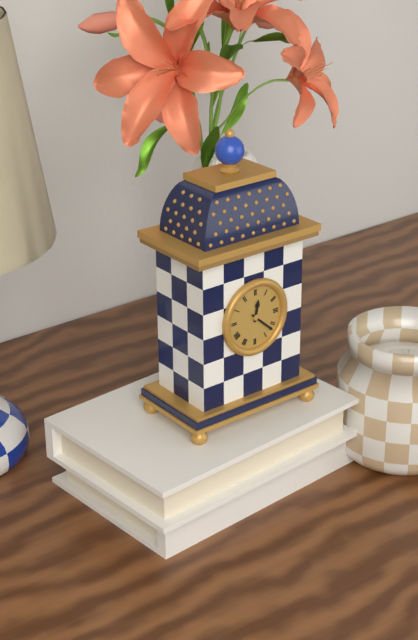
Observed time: 12.22
